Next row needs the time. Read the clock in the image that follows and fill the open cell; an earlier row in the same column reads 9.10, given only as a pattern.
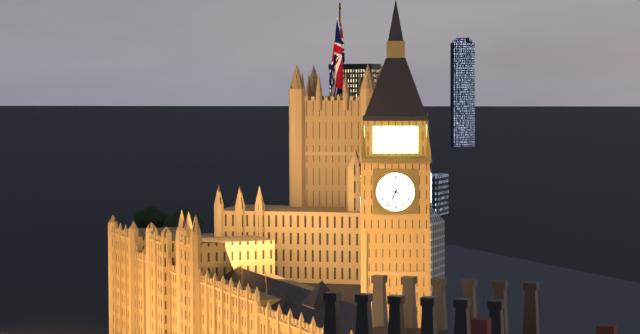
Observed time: 6.47
